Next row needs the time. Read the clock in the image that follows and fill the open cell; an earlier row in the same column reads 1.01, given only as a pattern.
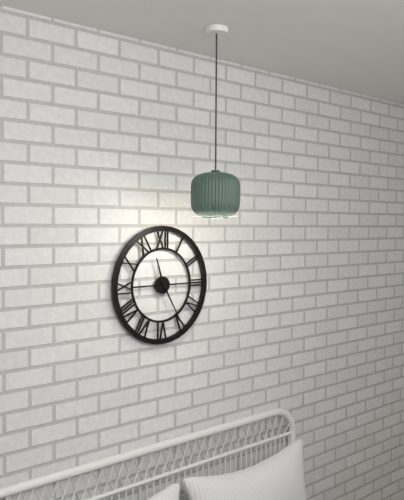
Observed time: 11.25
